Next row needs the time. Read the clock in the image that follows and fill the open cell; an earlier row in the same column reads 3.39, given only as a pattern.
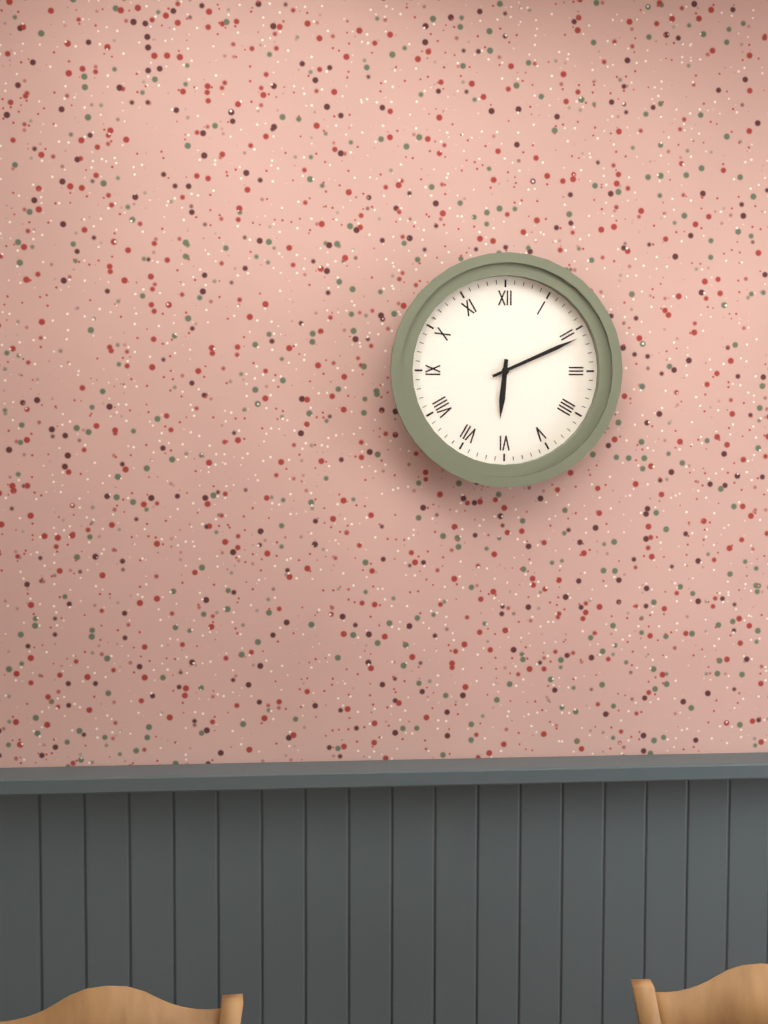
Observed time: 6.11
